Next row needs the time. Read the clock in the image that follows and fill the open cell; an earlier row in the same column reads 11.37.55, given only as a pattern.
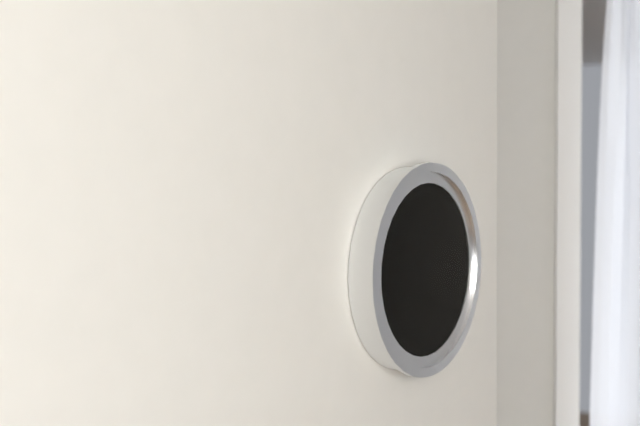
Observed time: 1.17.15
